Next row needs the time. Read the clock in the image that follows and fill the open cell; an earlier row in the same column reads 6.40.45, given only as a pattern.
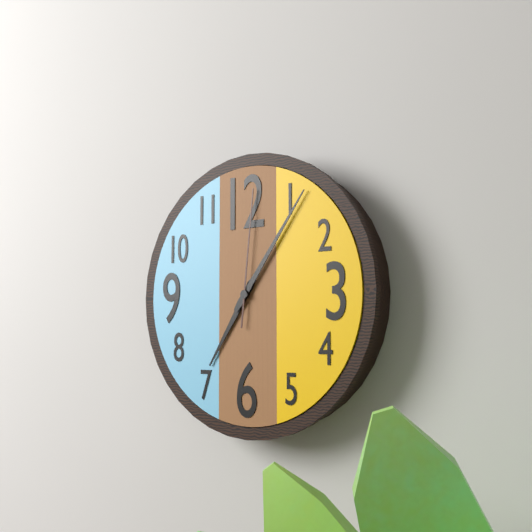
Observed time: 7.06.01
